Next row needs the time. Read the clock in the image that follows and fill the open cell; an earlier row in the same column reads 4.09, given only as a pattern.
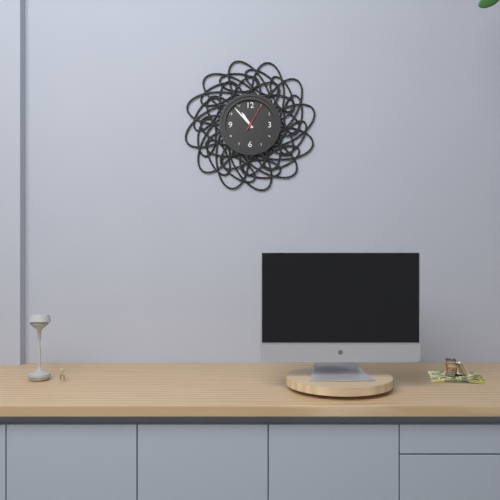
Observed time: 10.53
